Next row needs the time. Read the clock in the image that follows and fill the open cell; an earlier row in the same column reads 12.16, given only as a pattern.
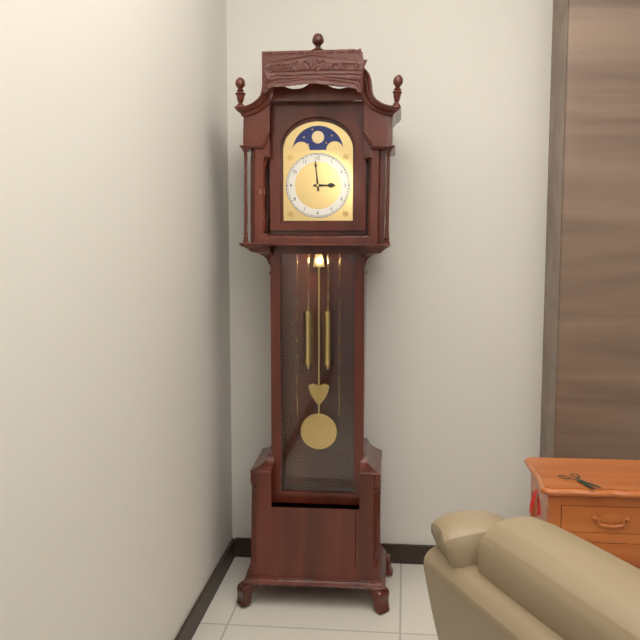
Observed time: 2.59
